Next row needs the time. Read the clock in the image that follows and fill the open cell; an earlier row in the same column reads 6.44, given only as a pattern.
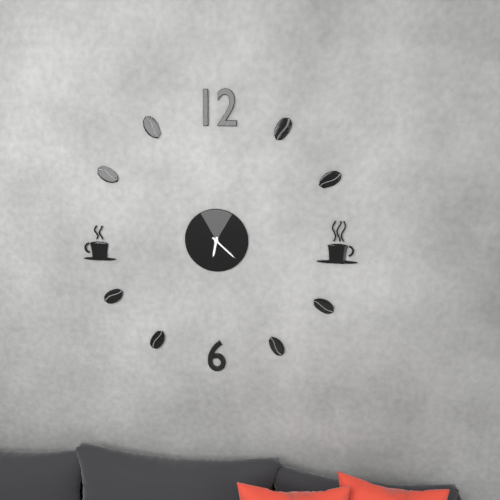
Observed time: 6.22
